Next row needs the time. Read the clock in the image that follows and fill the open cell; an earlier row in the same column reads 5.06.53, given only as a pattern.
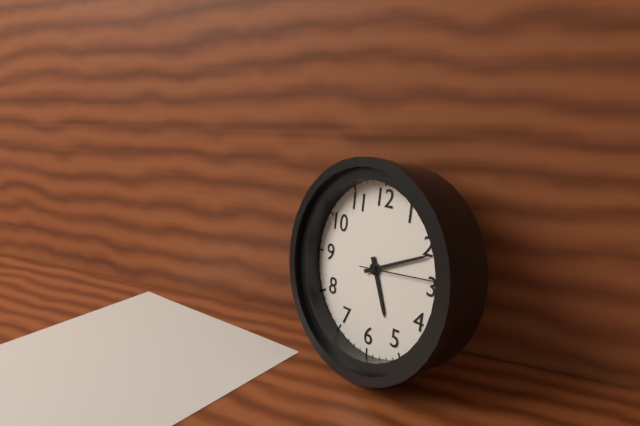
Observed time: 5.11.14
